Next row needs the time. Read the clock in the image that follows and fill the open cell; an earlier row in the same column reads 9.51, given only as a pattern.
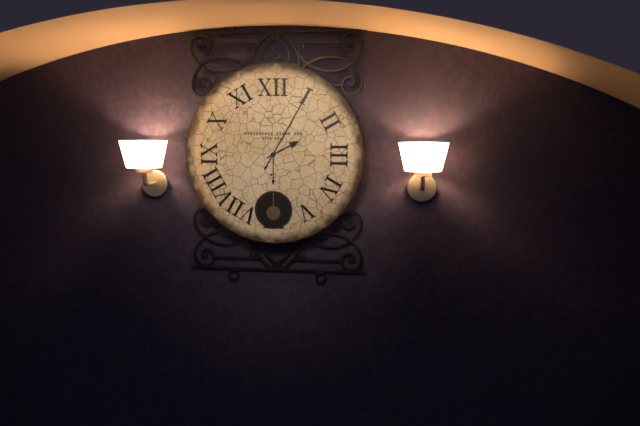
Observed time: 2.05
